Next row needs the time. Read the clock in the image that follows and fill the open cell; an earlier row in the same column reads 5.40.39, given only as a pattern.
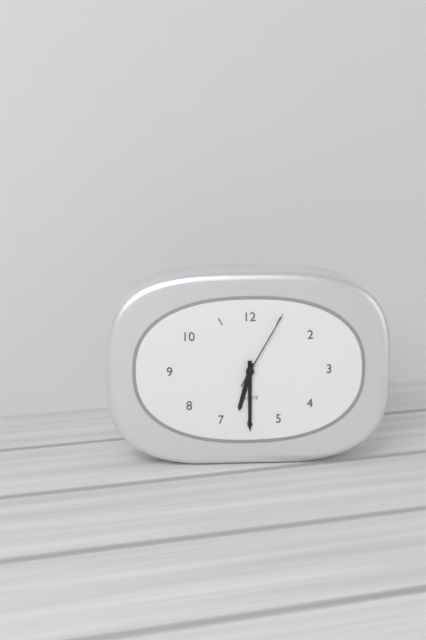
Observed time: 6.30.05
